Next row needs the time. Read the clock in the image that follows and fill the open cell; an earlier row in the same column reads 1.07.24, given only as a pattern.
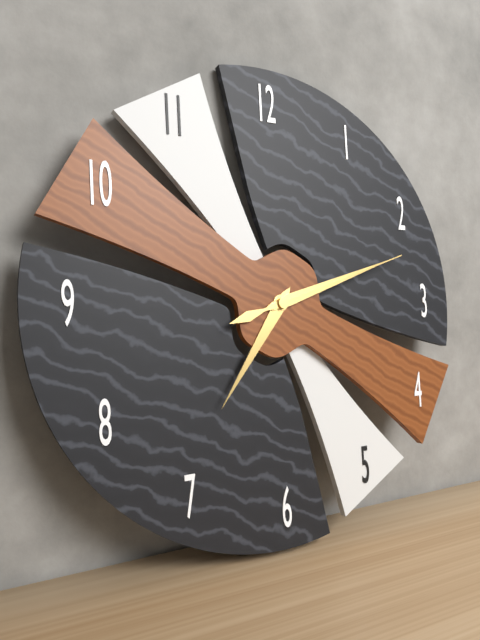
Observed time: 7.12.12
